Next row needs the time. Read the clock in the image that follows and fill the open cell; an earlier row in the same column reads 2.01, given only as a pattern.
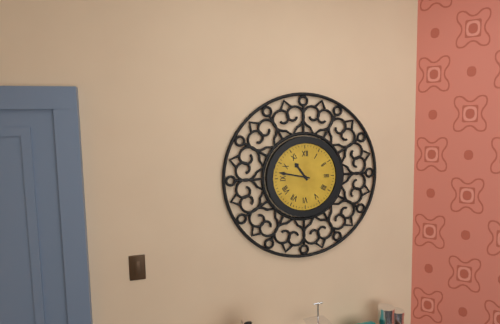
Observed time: 10.47
